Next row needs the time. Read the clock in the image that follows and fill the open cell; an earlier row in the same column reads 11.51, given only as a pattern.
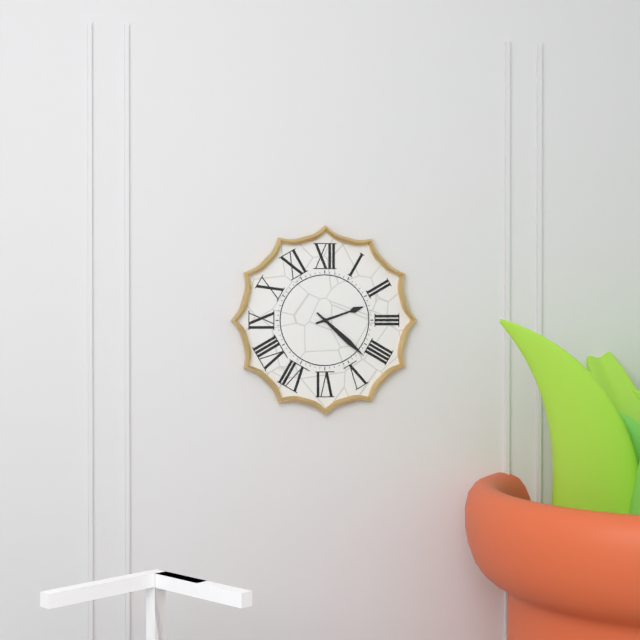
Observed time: 2.22
